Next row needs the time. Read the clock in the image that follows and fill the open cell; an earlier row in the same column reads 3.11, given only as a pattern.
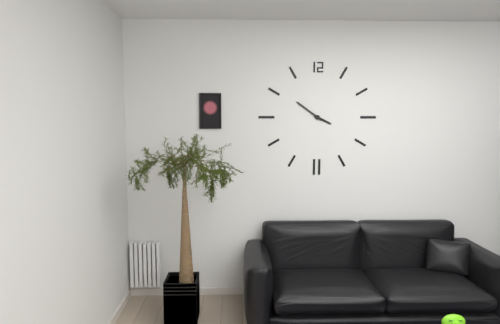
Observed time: 3.51
